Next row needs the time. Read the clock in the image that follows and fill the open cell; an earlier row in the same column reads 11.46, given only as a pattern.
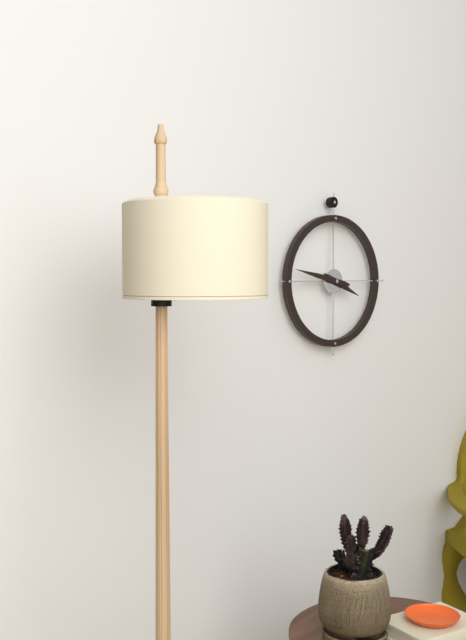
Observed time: 3.47
